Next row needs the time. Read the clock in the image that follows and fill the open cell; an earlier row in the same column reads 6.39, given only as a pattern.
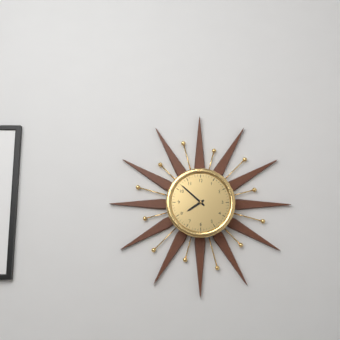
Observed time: 7.52
